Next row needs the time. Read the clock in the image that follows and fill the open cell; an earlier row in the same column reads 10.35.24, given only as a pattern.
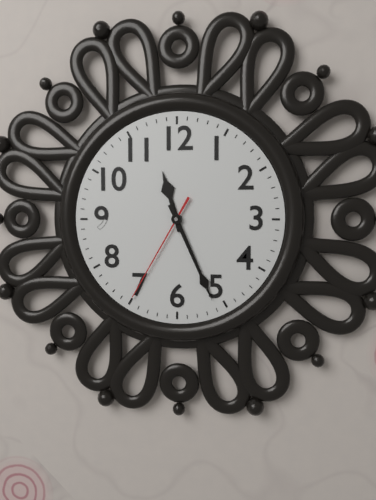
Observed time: 11.26.35
